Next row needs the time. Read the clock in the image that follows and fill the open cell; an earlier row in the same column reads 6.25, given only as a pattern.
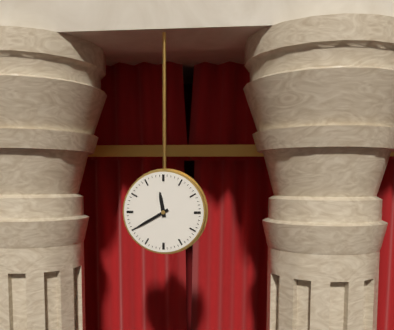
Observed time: 11.40
